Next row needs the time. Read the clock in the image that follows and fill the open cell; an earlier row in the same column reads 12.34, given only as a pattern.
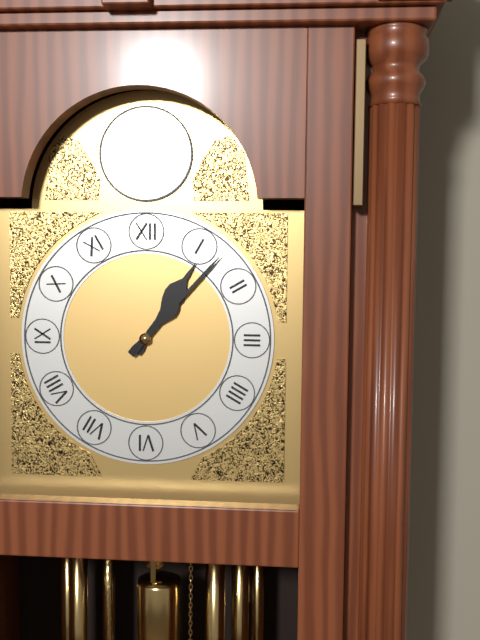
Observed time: 1.07
